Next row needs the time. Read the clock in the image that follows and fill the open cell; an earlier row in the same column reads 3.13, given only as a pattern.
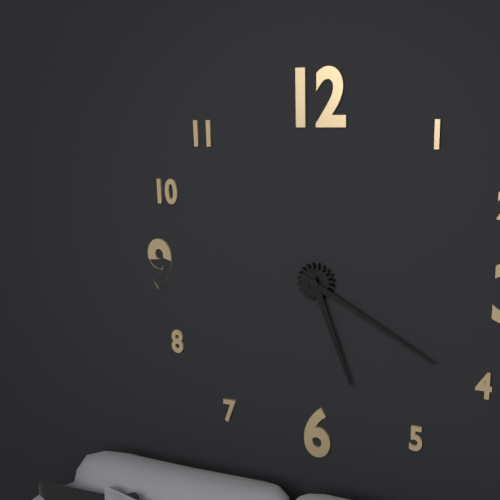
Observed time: 5.20
